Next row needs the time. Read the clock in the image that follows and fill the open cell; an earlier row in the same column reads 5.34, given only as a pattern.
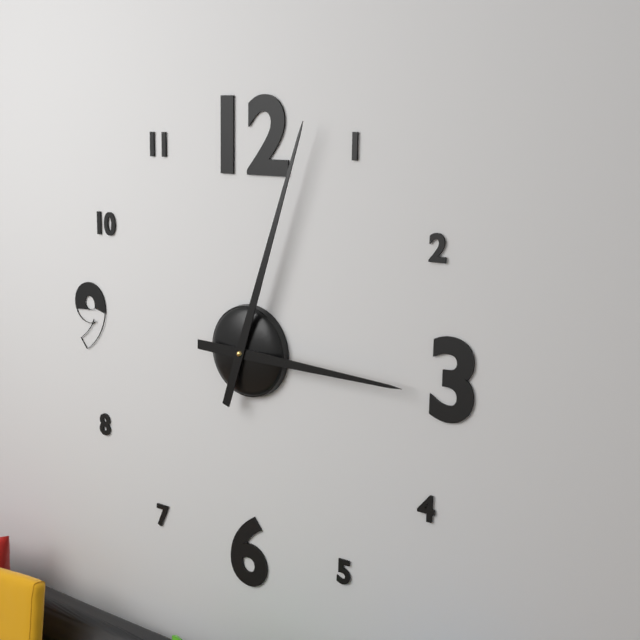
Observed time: 3.03
